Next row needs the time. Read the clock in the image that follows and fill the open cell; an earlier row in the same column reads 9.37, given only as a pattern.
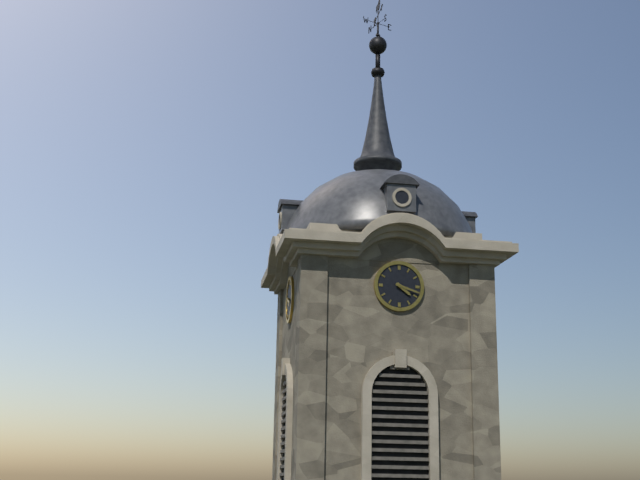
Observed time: 4.18
